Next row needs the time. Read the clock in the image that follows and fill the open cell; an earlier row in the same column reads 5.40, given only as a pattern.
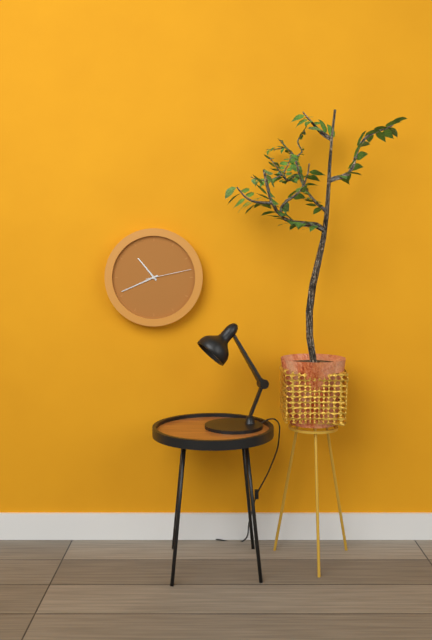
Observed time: 10.41
